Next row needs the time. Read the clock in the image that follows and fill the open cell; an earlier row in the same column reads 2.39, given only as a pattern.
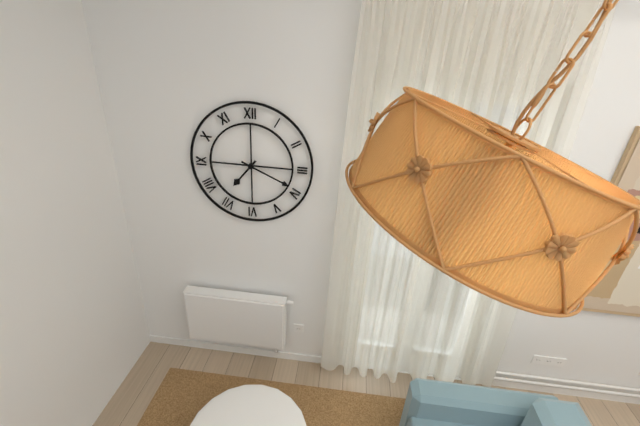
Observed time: 7.19
